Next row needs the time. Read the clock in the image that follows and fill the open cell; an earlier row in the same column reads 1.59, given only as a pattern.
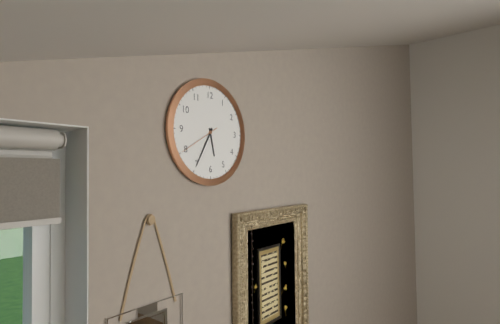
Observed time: 5.35
